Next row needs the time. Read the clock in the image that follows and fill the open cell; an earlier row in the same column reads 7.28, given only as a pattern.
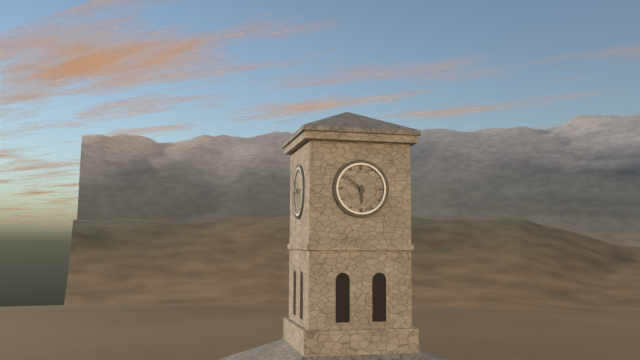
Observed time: 5.51
